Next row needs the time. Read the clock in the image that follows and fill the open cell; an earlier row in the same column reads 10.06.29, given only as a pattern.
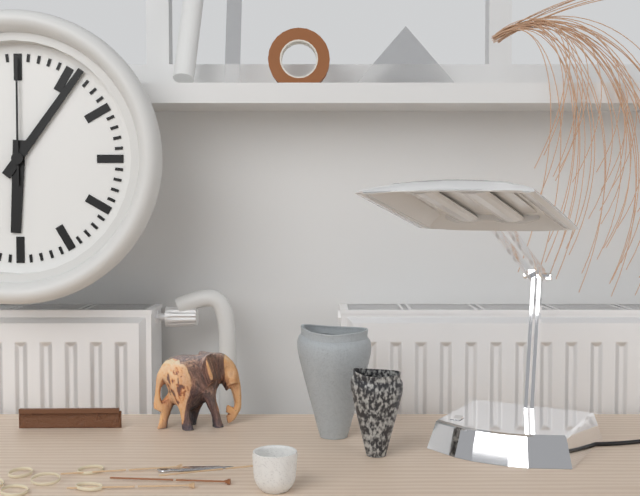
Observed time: 6.06.00
